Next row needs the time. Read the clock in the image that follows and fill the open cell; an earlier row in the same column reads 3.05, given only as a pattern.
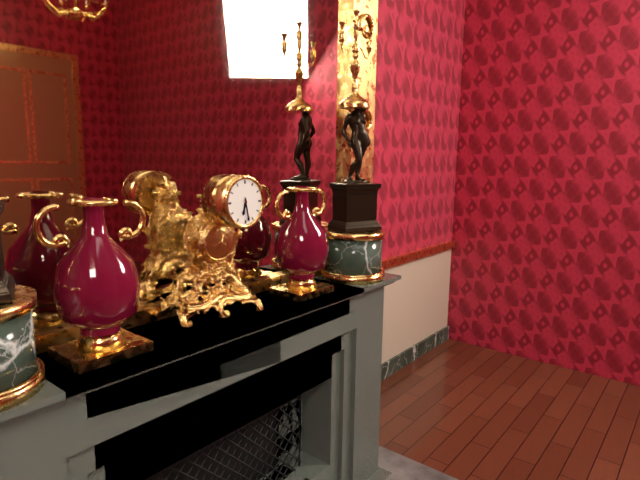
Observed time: 6.28
